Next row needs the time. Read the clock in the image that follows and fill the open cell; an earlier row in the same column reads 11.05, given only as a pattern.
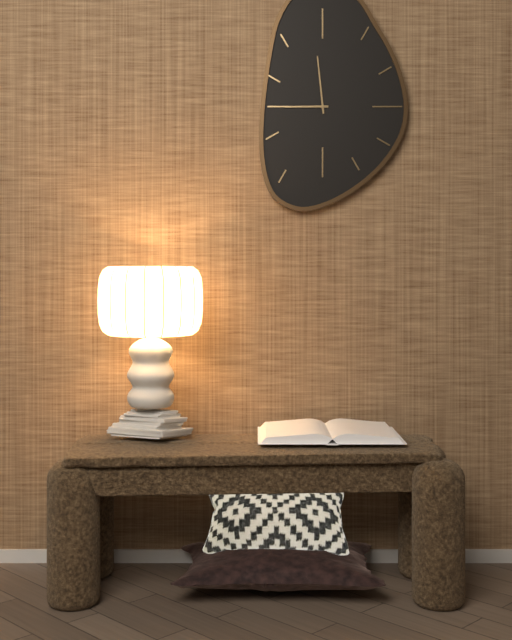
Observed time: 8.59
